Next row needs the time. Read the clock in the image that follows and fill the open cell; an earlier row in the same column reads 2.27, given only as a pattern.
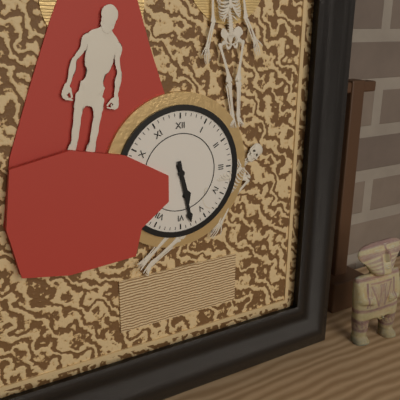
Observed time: 5.28
